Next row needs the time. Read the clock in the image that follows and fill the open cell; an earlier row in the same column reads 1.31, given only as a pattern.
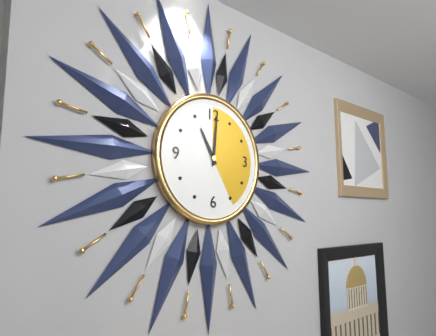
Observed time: 11.01
